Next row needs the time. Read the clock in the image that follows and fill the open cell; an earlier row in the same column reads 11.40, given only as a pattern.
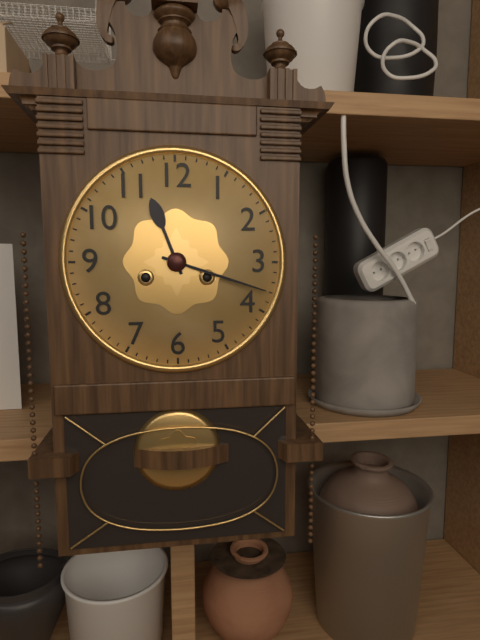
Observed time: 11.18
